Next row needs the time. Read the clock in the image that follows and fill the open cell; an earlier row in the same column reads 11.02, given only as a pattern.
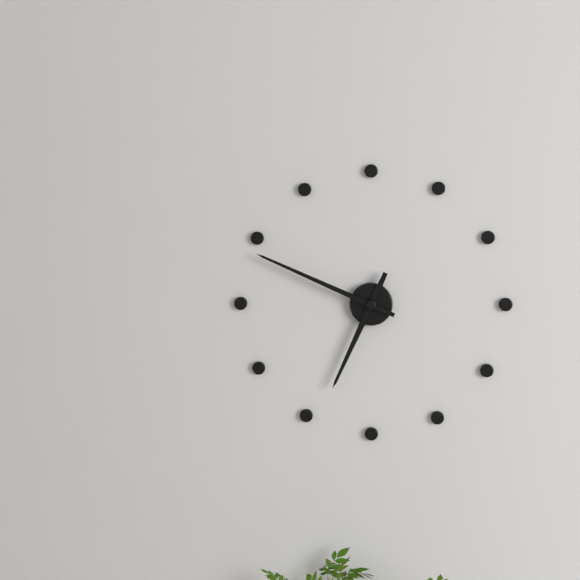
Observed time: 6.49
